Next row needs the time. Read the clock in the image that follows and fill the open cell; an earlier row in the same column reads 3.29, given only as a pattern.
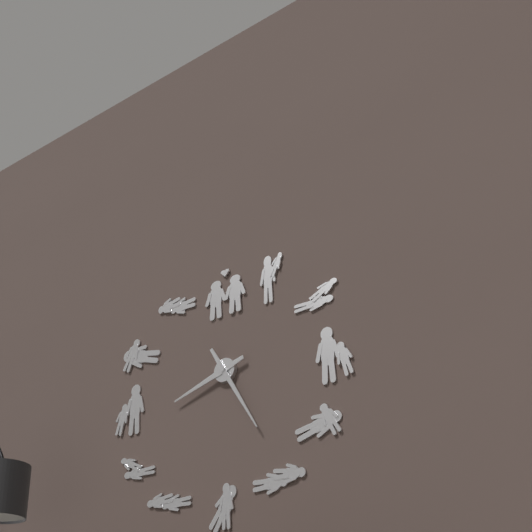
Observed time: 8.25
